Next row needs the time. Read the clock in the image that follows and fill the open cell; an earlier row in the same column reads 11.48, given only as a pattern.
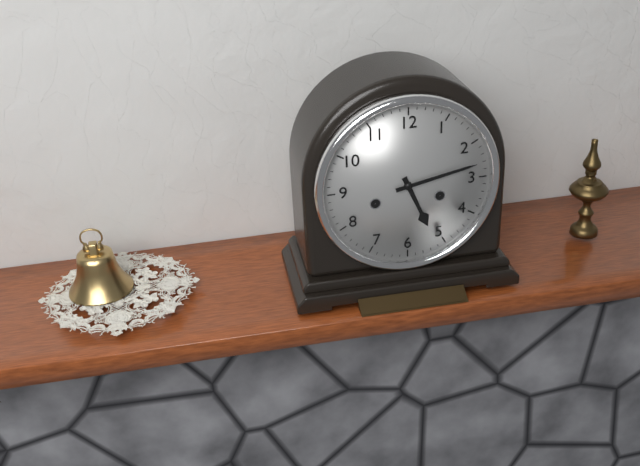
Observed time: 5.13
